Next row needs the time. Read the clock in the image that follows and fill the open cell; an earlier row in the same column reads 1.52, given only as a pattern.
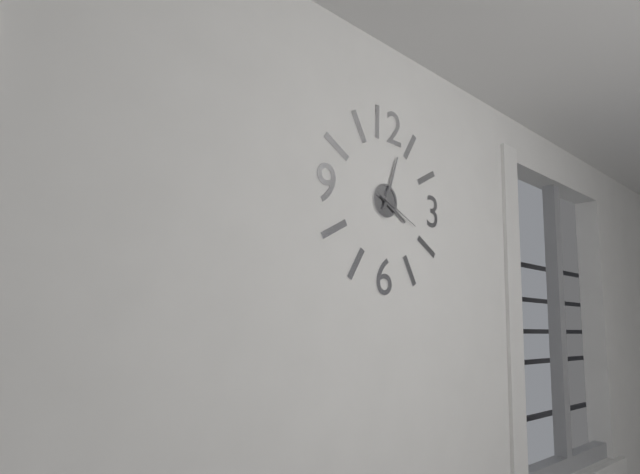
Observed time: 4.03
